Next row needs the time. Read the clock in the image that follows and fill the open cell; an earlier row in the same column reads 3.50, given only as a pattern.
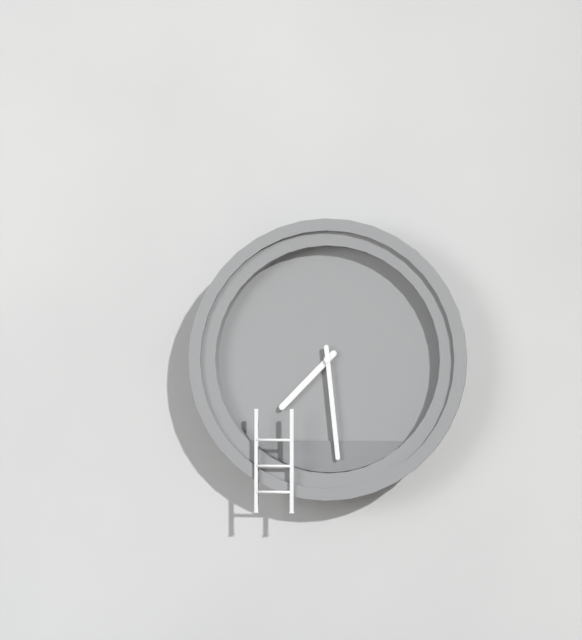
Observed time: 7.29
